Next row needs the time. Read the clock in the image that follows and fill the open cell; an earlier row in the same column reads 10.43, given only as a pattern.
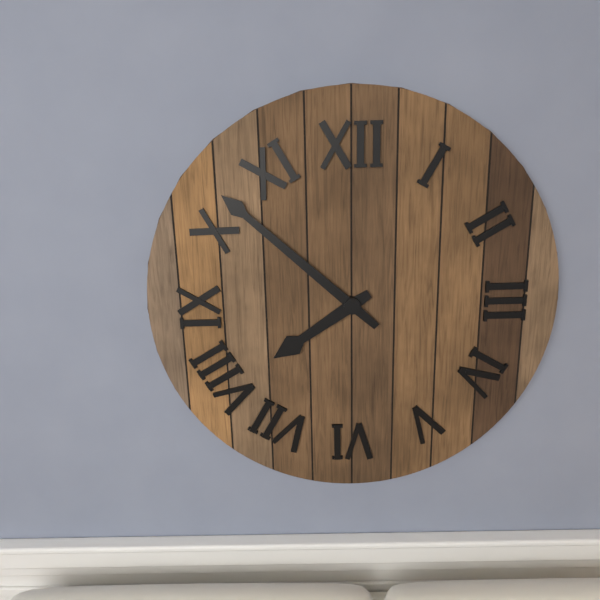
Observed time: 7.52
